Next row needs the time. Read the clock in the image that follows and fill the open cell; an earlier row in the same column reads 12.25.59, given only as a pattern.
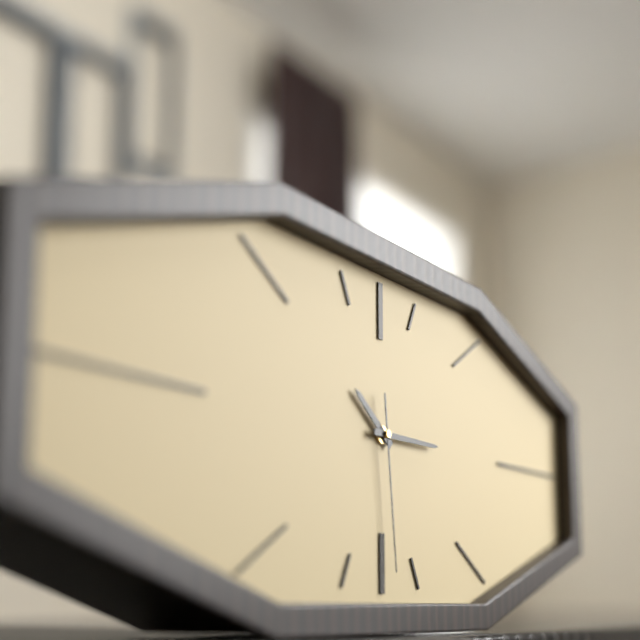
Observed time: 10.15.29
